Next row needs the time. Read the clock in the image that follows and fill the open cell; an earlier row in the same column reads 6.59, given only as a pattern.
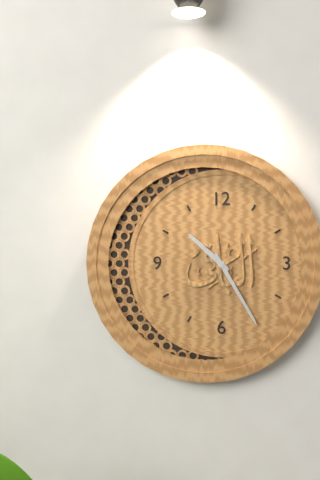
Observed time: 10.25
